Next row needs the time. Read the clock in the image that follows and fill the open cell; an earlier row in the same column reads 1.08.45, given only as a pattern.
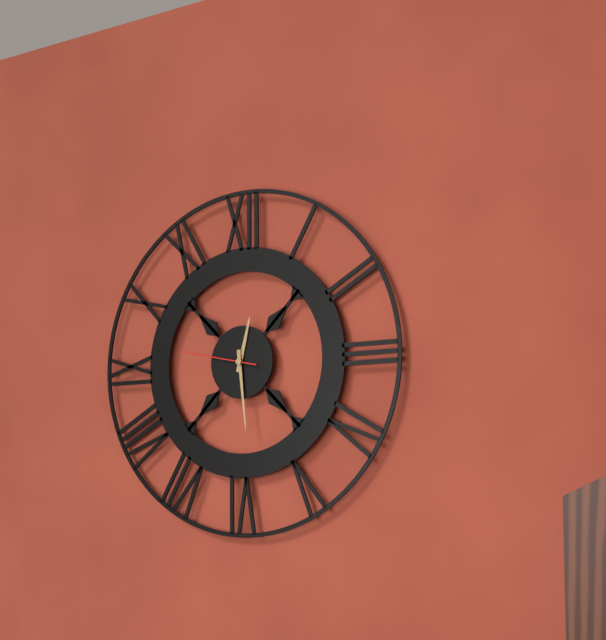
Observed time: 12.29.47
